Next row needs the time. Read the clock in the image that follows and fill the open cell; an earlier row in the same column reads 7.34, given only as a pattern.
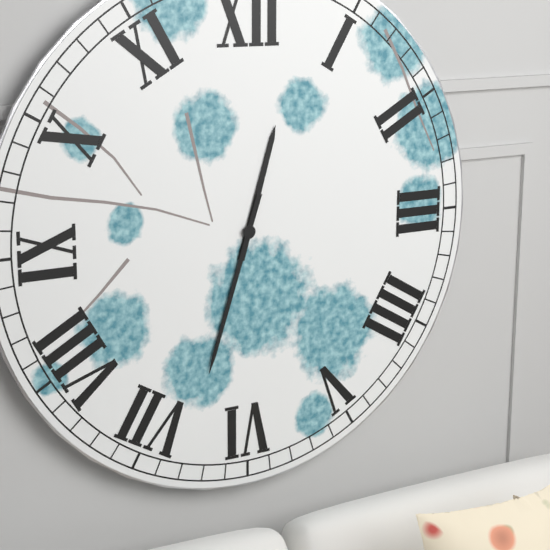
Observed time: 12.33
